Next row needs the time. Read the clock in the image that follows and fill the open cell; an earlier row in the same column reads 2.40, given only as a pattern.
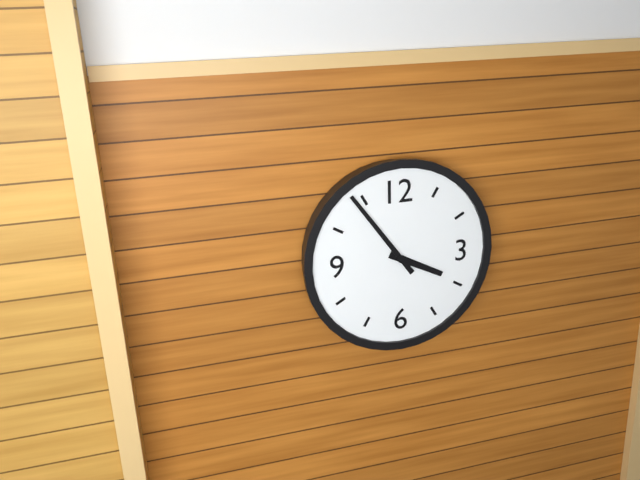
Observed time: 3.54
